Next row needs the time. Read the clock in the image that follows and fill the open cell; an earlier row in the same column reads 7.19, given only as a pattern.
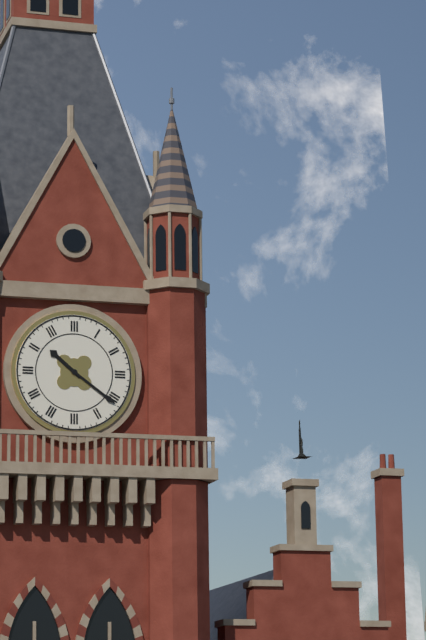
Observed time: 10.21
